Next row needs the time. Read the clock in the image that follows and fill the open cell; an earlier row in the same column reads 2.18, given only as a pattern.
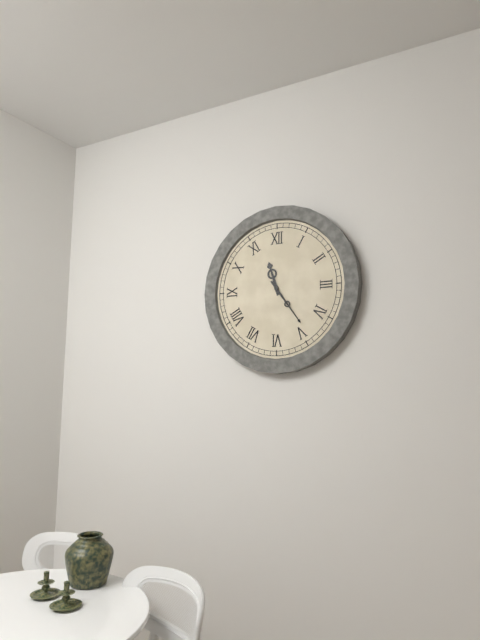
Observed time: 11.24
